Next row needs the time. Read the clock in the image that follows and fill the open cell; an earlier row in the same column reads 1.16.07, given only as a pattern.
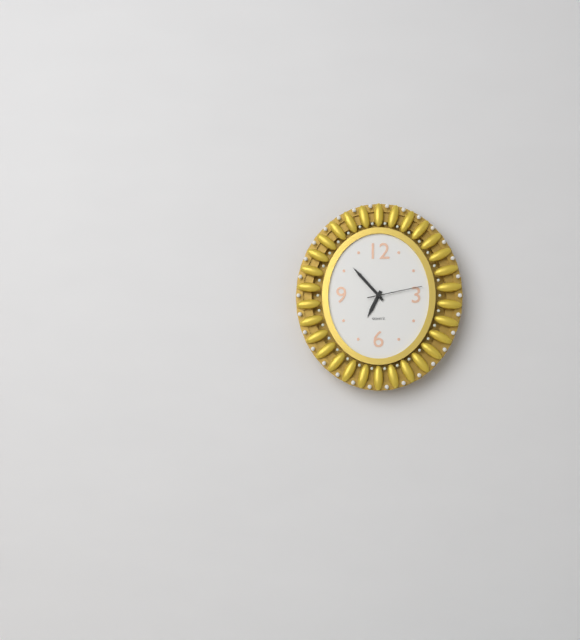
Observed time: 6.53.13
